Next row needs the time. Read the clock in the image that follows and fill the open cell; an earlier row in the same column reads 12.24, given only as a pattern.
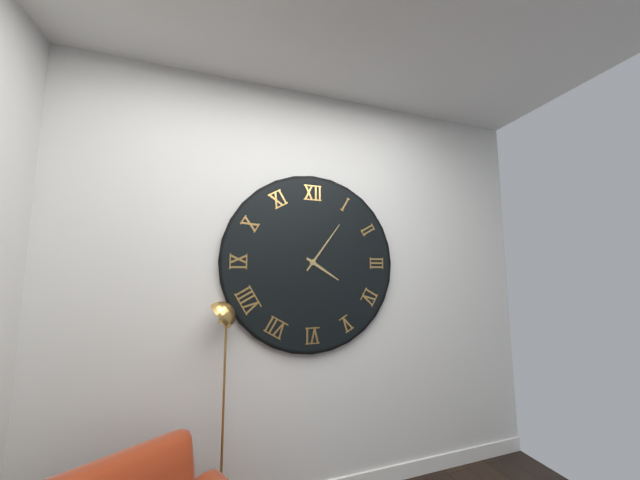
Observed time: 4.06
